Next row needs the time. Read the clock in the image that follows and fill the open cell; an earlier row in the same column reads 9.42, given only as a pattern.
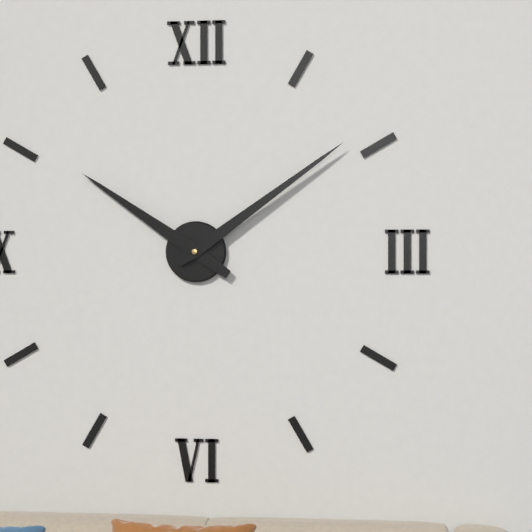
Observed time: 10.09
